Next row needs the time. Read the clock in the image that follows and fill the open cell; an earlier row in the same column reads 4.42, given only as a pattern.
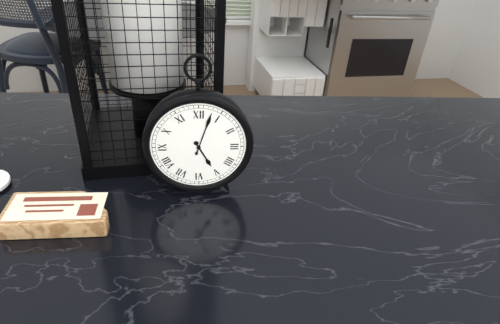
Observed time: 5.03
